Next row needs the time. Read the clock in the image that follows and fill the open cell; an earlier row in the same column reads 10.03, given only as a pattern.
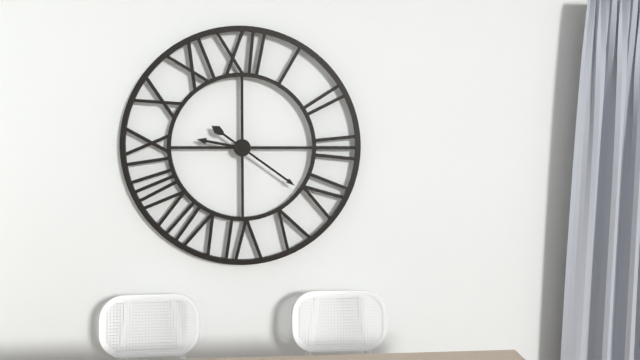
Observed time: 9.21
